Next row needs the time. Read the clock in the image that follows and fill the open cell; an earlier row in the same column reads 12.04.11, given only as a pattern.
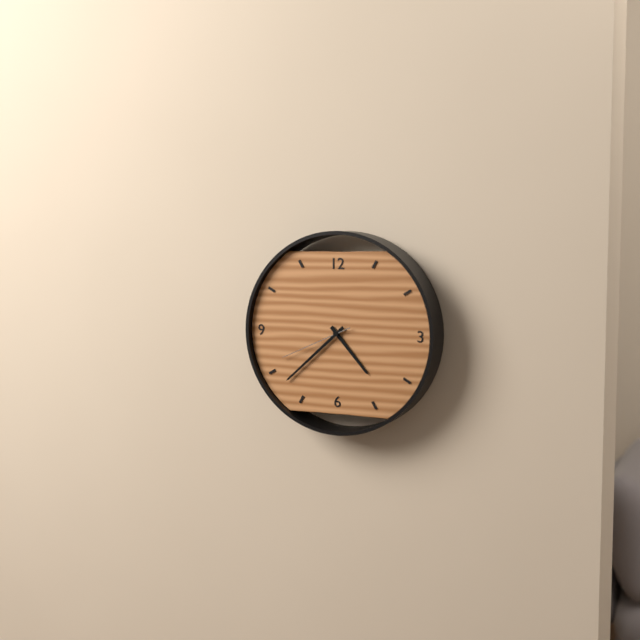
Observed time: 4.38.41
